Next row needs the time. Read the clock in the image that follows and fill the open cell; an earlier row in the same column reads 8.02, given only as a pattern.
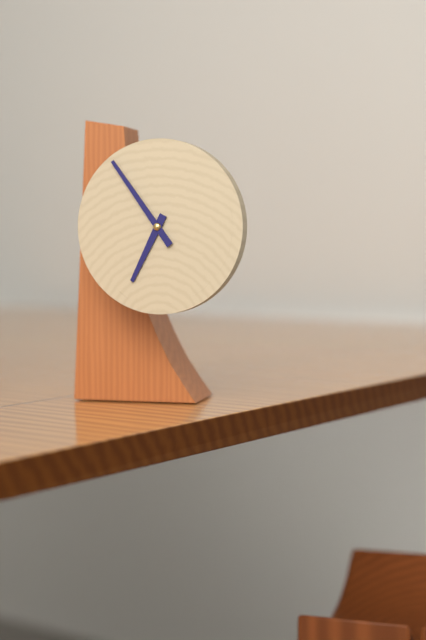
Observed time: 6.54
